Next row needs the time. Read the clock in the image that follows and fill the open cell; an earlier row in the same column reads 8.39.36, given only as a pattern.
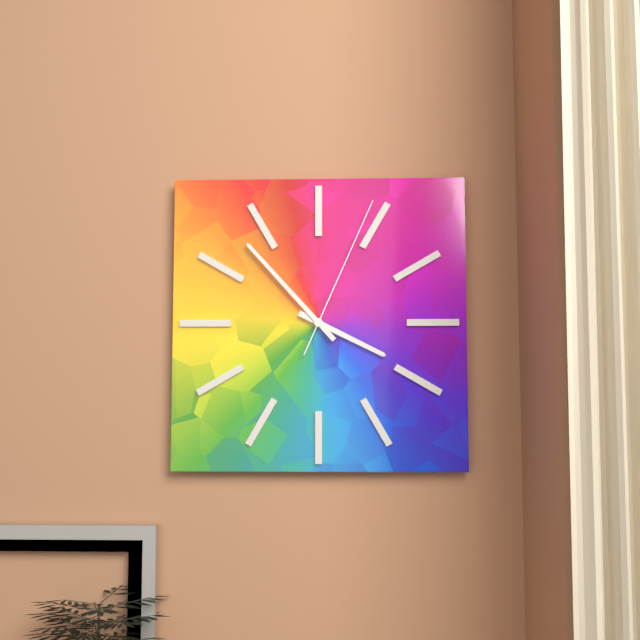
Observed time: 3.53.04
